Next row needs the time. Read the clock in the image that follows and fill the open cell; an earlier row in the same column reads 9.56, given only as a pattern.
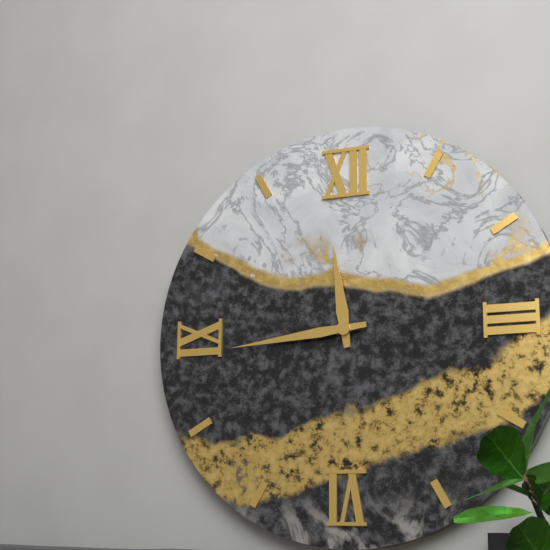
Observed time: 11.44
